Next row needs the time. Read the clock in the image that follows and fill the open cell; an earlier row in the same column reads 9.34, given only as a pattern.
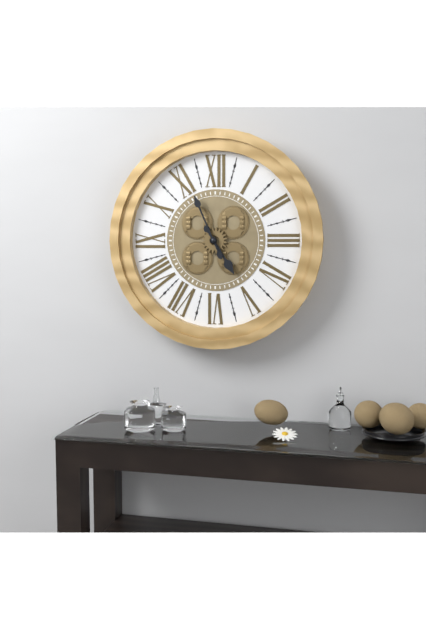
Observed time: 4.56
